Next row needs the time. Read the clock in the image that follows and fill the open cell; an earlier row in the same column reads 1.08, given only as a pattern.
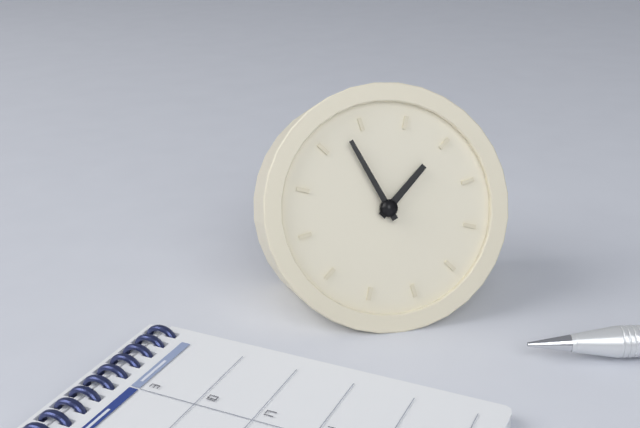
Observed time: 1.58
